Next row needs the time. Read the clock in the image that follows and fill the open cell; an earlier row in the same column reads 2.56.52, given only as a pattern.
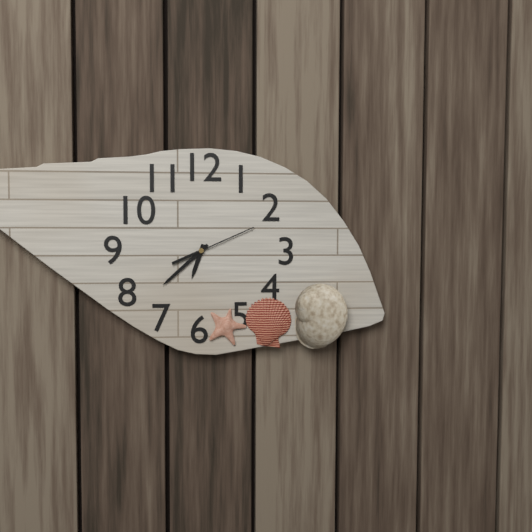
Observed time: 6.38.11
